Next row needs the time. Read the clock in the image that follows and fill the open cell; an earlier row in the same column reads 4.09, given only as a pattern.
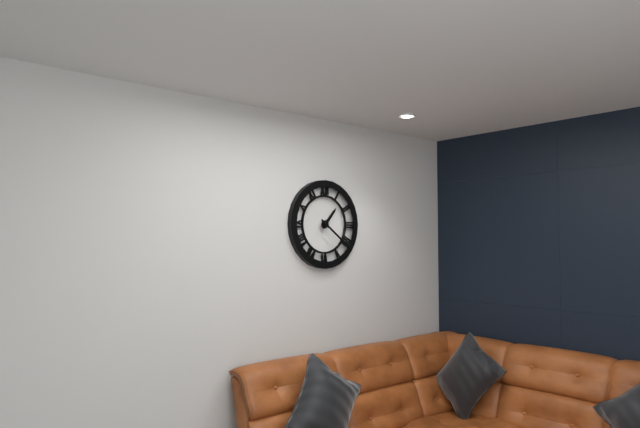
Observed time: 1.21
